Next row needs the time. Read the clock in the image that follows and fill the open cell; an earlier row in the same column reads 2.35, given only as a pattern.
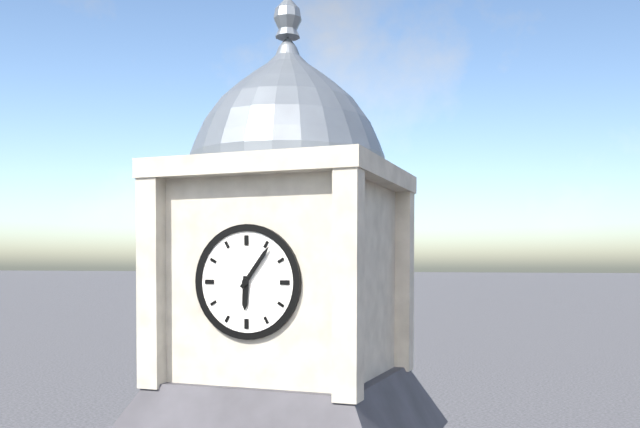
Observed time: 6.06
